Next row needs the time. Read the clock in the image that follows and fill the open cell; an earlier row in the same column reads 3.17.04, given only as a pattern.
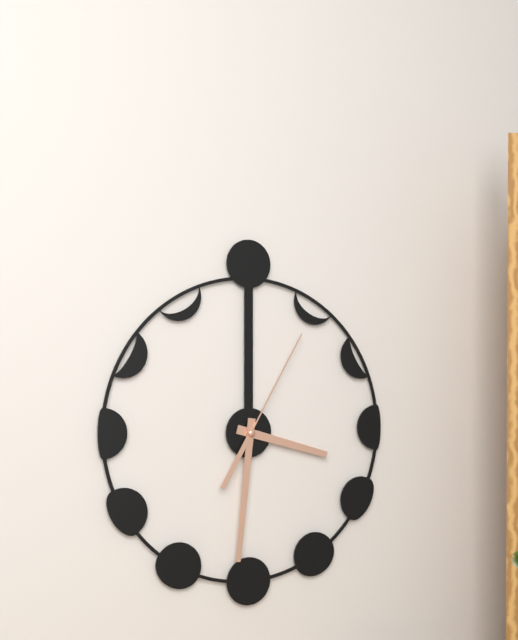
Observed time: 3.31.05
